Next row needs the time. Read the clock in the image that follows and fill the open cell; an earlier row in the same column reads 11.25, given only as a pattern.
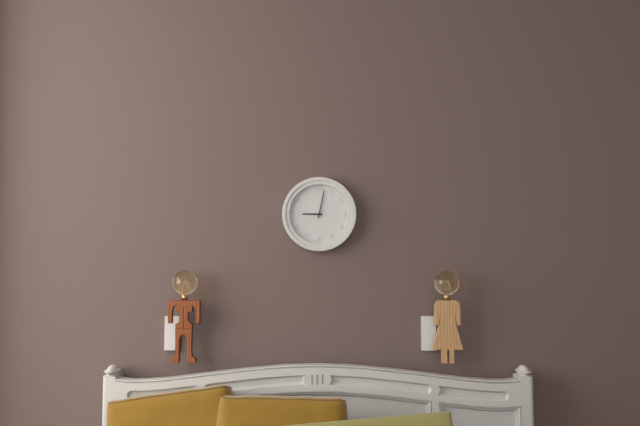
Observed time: 9.02
